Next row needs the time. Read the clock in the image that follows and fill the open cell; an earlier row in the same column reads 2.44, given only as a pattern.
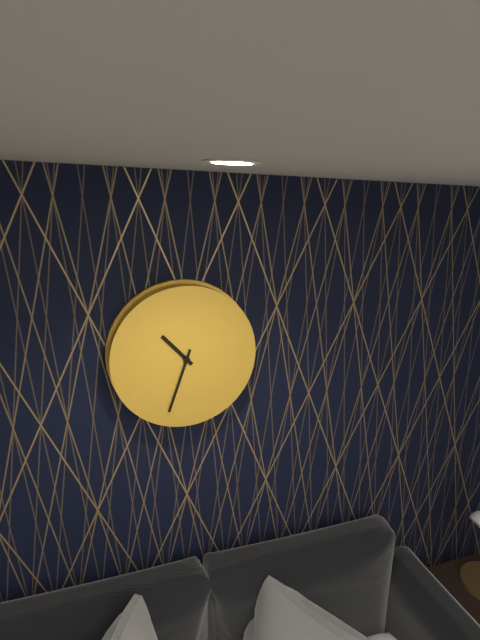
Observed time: 10.33
